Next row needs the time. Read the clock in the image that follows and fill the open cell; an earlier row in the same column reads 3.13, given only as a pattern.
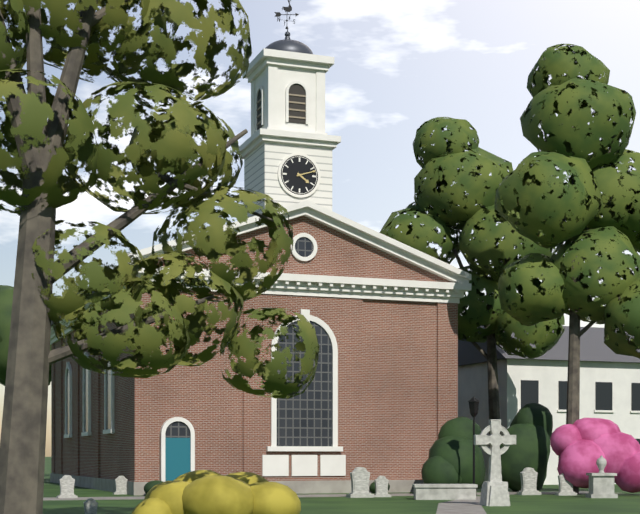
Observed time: 4.12
